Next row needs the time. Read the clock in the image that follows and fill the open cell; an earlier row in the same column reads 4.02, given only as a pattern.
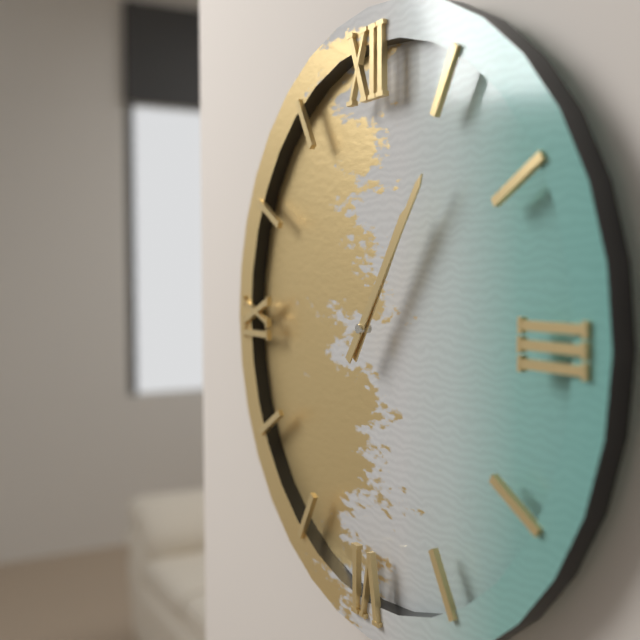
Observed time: 1.06
